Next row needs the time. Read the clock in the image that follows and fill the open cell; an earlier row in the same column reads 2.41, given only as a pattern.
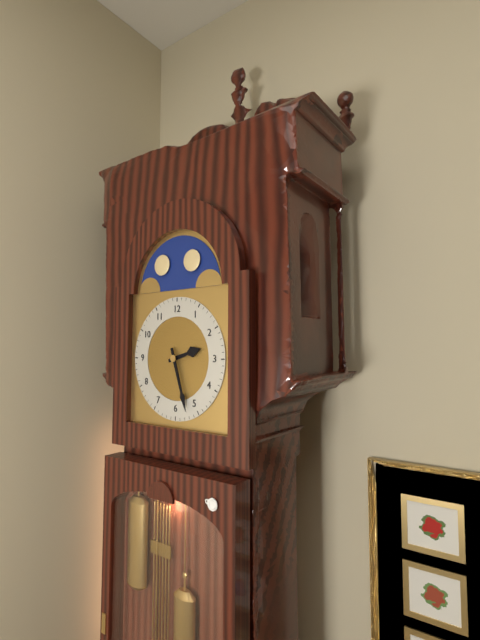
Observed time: 2.27
